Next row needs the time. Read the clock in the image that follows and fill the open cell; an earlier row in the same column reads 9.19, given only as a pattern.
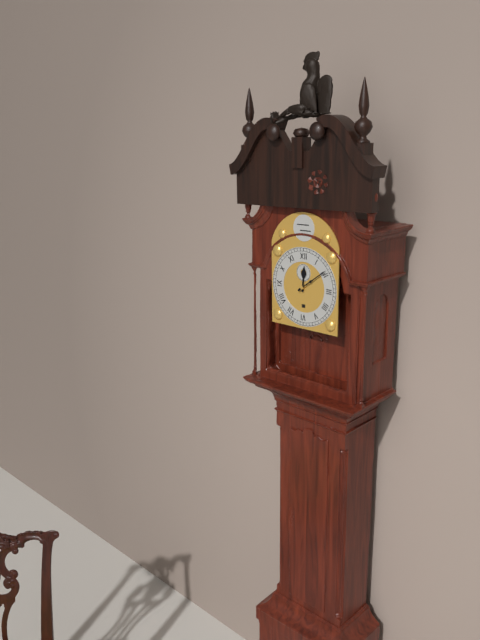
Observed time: 12.09
